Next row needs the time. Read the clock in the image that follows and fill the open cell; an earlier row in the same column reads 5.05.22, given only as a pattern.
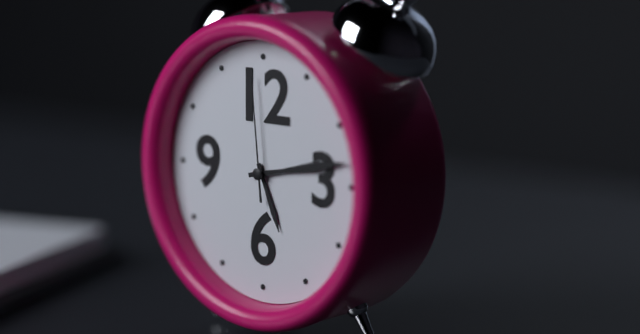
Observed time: 5.13.59
